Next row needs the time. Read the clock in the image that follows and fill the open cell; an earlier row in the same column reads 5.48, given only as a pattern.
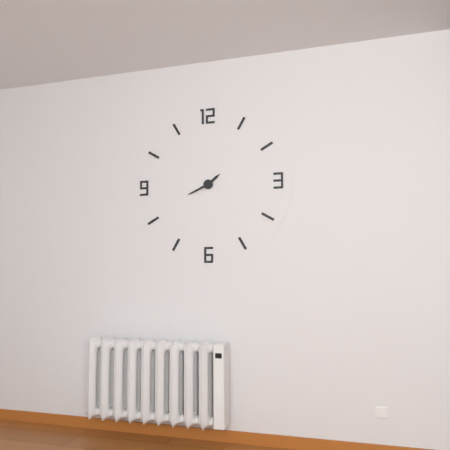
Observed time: 1.41
